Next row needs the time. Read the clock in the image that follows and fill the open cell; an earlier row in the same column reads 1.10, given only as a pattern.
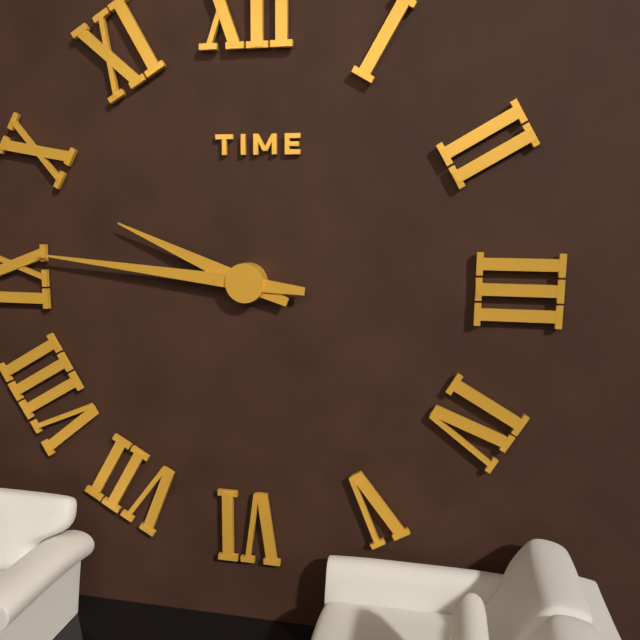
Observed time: 9.46
